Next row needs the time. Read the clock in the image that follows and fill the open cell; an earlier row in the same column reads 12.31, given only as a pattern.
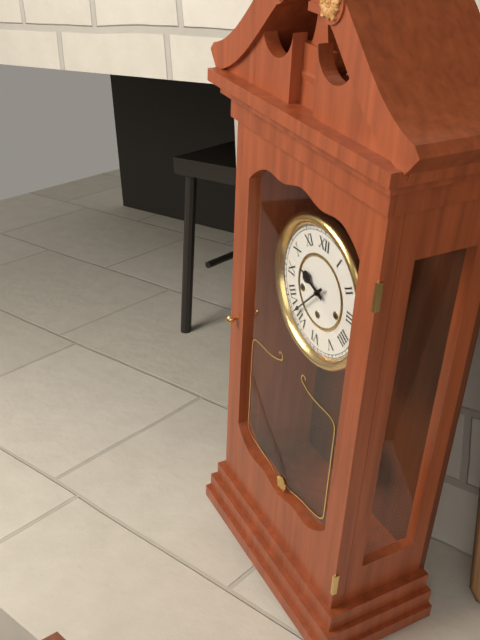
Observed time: 9.37
